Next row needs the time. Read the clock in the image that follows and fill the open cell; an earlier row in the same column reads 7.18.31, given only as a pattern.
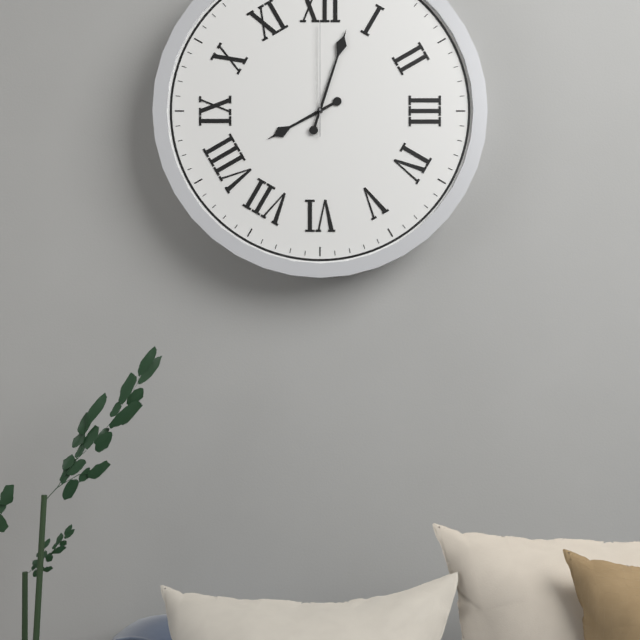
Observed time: 8.03.00
